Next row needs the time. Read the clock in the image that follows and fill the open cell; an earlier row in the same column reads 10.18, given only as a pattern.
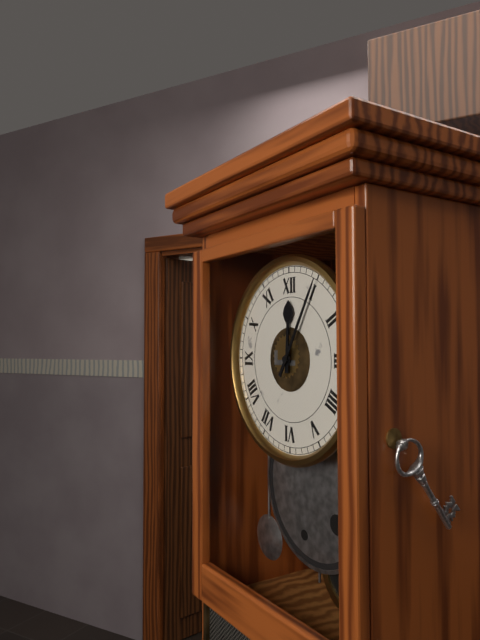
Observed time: 12.05
